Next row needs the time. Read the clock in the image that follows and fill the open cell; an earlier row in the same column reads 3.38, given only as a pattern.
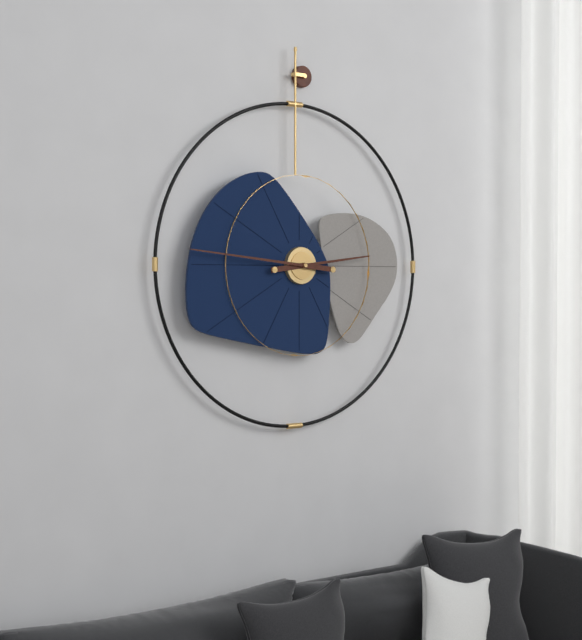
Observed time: 2.46
